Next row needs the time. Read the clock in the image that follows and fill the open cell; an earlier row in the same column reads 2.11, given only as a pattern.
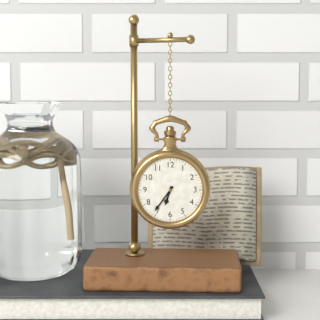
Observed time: 6.36
